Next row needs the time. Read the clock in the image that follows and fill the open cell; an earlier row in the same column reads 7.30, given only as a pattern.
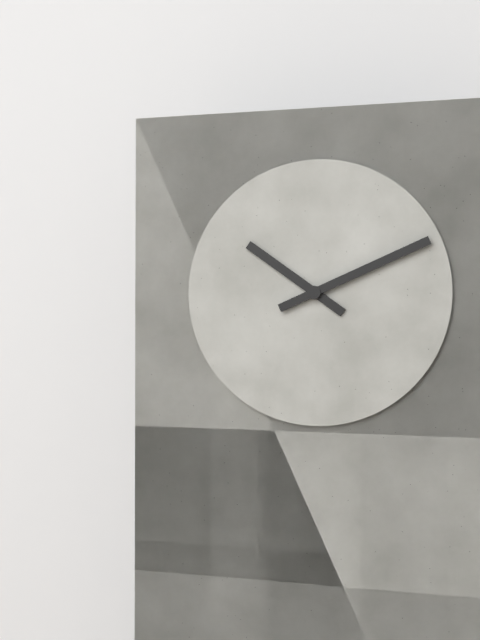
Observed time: 10.11
